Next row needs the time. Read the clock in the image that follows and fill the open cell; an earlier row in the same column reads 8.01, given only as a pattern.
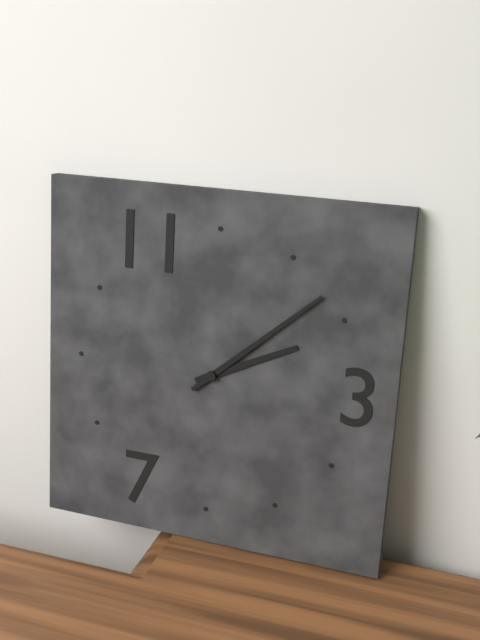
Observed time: 2.08
